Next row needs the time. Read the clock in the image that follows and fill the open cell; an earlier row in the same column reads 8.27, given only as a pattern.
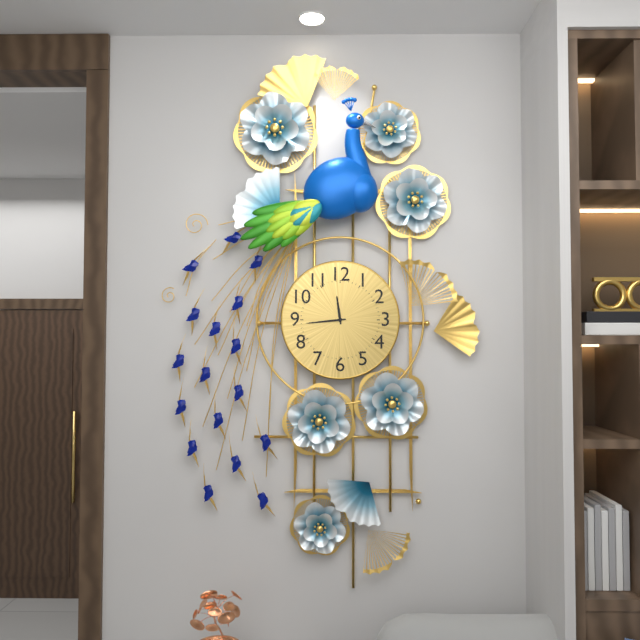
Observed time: 11.44
